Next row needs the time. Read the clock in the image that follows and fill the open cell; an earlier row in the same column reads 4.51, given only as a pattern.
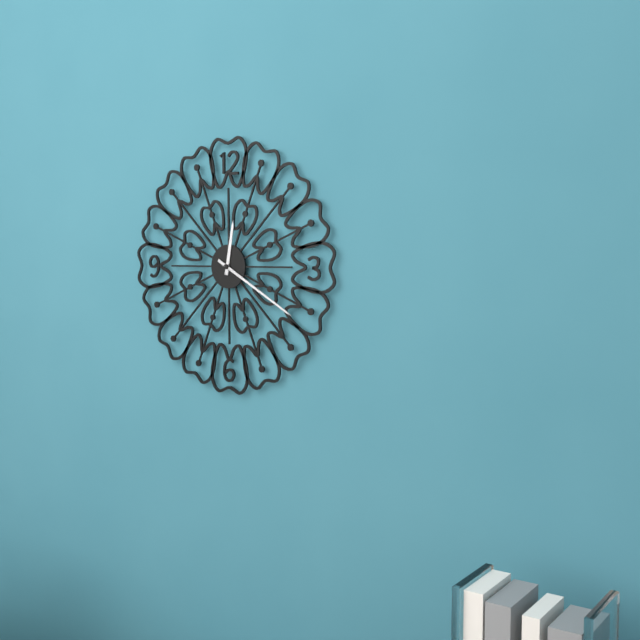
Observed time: 12.20
